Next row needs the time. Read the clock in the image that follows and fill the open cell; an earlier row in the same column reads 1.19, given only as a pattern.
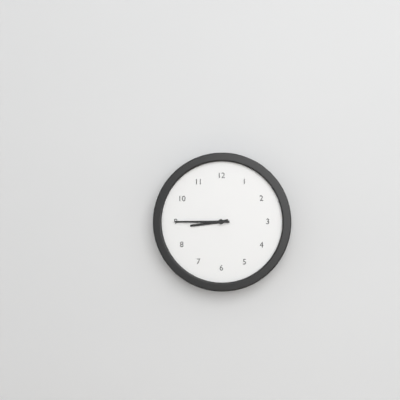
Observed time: 8.45
